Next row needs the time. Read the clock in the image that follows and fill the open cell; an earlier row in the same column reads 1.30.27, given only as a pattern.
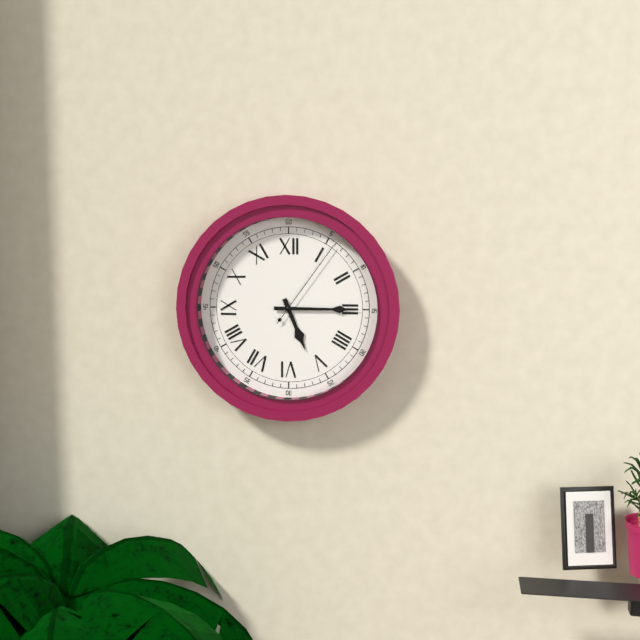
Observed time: 5.15.06
